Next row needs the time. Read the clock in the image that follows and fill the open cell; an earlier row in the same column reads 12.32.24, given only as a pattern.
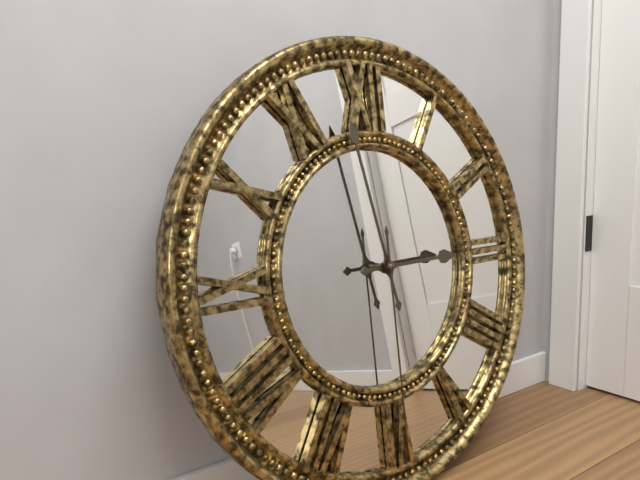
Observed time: 2.58.30
